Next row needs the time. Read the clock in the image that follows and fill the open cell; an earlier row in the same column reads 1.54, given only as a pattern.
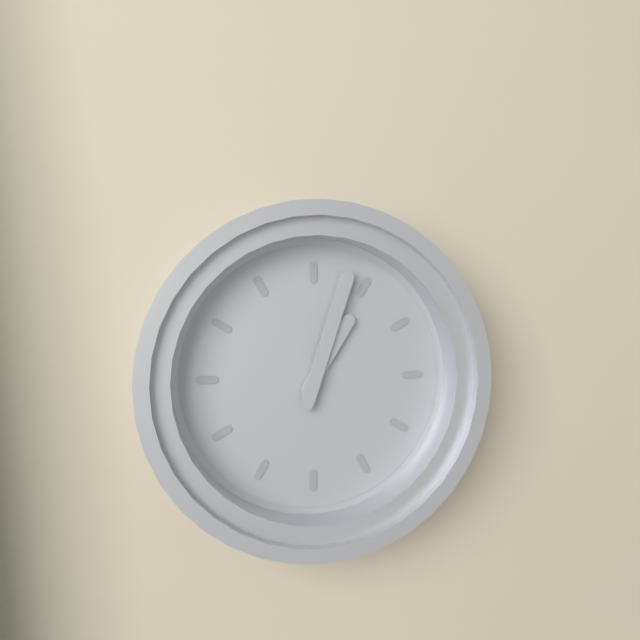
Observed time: 1.03
